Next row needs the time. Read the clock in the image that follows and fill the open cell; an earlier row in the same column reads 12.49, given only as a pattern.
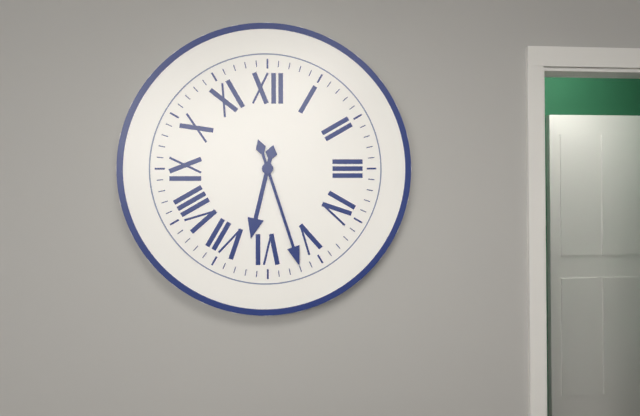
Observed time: 6.27
